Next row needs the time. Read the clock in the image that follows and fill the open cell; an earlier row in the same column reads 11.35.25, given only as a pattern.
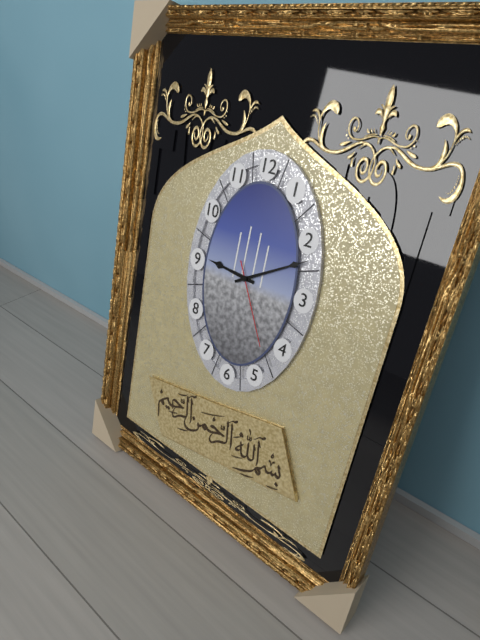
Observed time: 9.10.25
